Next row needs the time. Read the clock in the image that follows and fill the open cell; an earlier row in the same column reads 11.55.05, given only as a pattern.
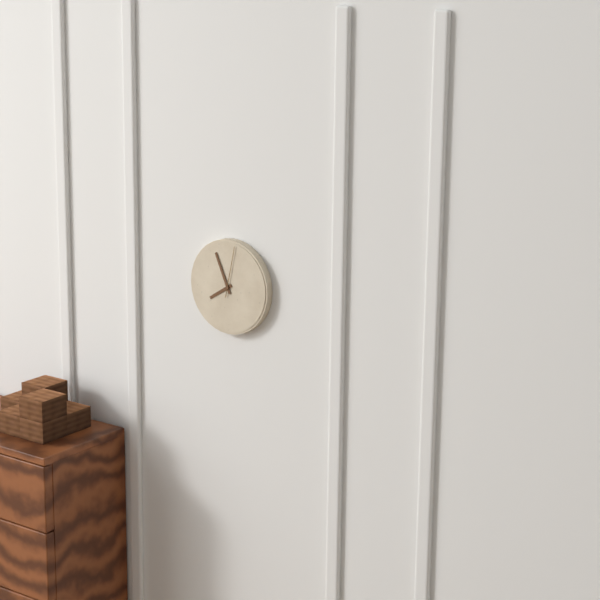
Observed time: 7.56.02
